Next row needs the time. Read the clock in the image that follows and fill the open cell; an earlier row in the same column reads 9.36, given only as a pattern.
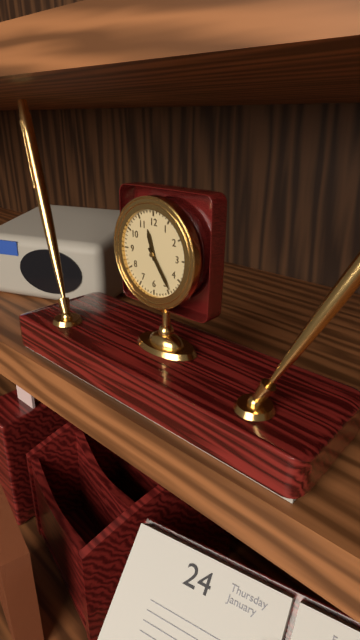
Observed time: 11.24
